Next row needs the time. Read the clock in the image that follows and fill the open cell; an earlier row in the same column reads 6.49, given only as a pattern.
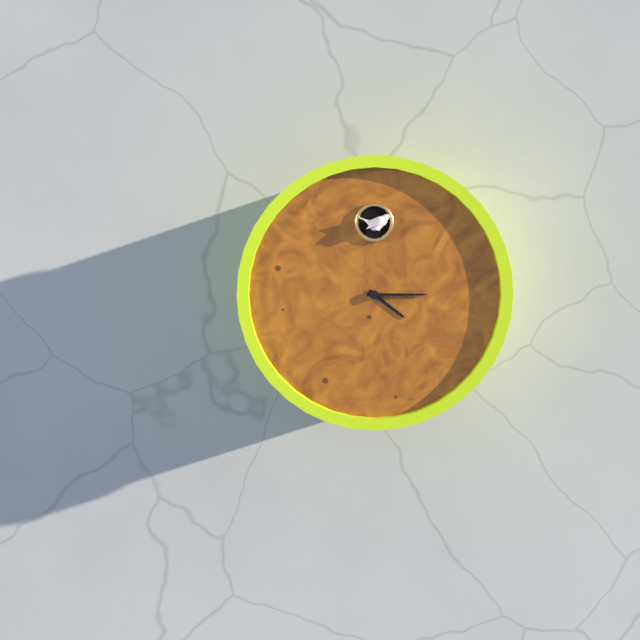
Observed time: 4.15
